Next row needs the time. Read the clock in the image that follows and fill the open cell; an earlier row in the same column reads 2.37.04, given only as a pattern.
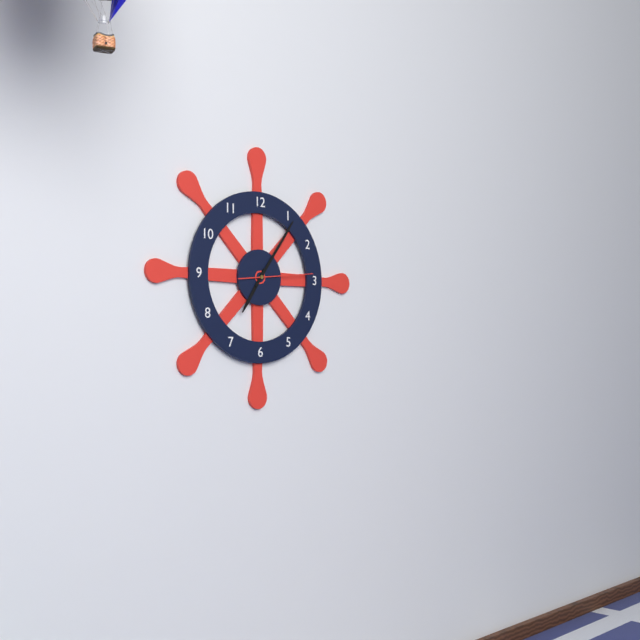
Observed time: 7.06.14
